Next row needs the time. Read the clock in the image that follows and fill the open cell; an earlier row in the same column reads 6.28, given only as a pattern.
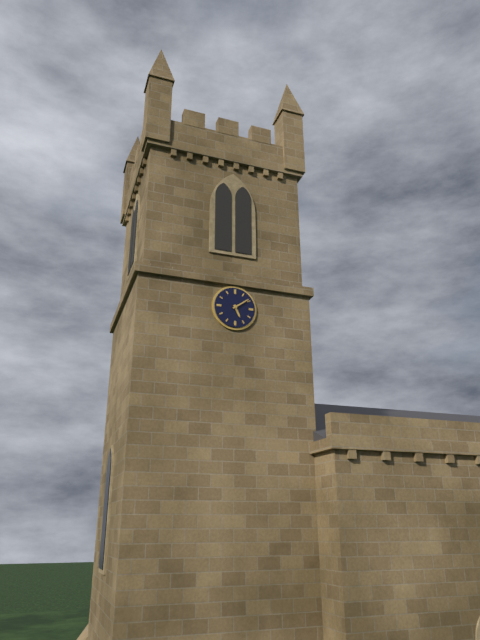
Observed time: 5.09
